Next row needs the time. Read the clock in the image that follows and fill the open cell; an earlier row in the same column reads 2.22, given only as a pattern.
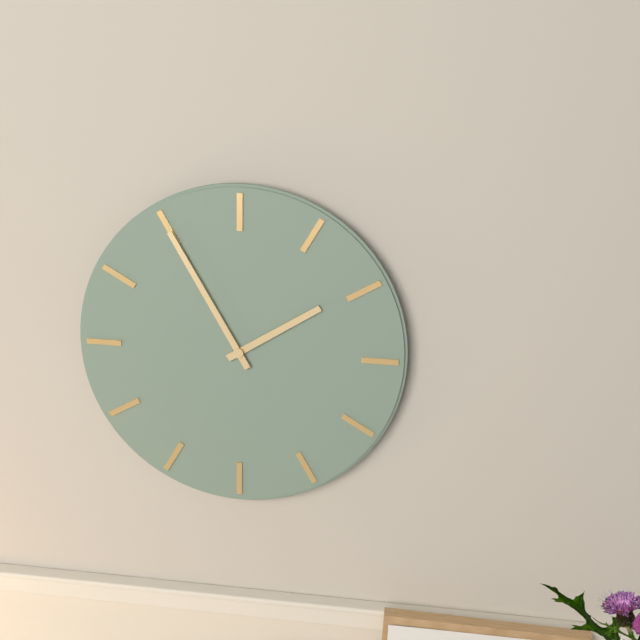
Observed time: 1.55
